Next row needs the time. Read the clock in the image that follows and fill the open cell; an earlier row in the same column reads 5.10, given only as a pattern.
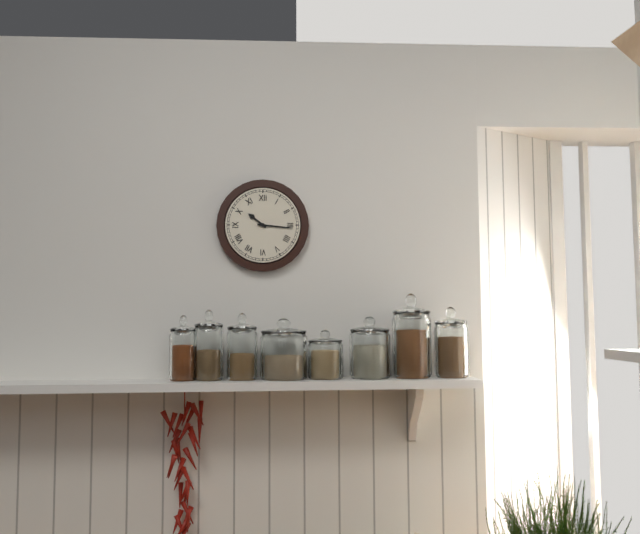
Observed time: 10.16
